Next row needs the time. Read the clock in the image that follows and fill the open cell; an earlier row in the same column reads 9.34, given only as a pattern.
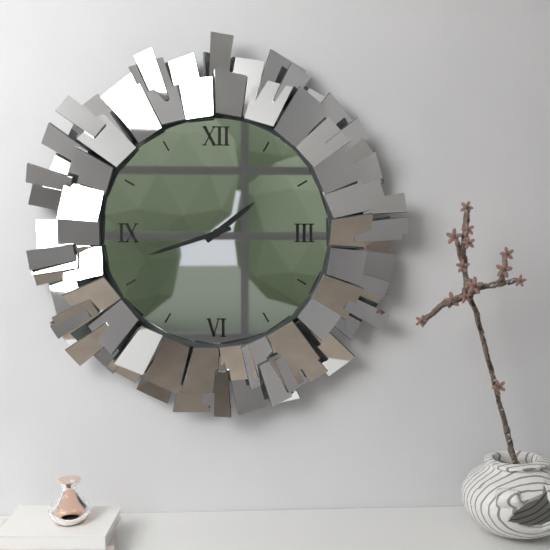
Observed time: 1.42
